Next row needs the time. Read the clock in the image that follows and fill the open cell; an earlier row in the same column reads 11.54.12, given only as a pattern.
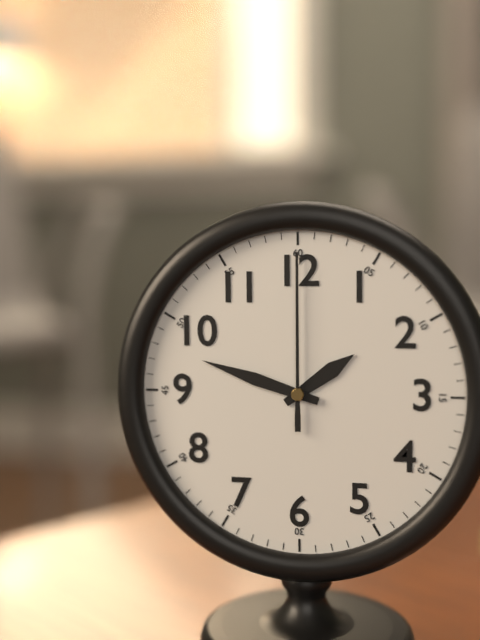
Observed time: 1.48.00
